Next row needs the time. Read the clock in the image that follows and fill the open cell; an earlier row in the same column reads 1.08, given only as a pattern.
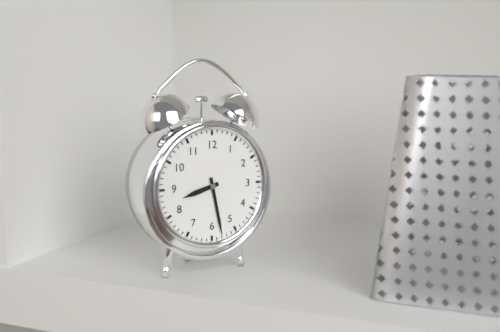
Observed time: 8.28
